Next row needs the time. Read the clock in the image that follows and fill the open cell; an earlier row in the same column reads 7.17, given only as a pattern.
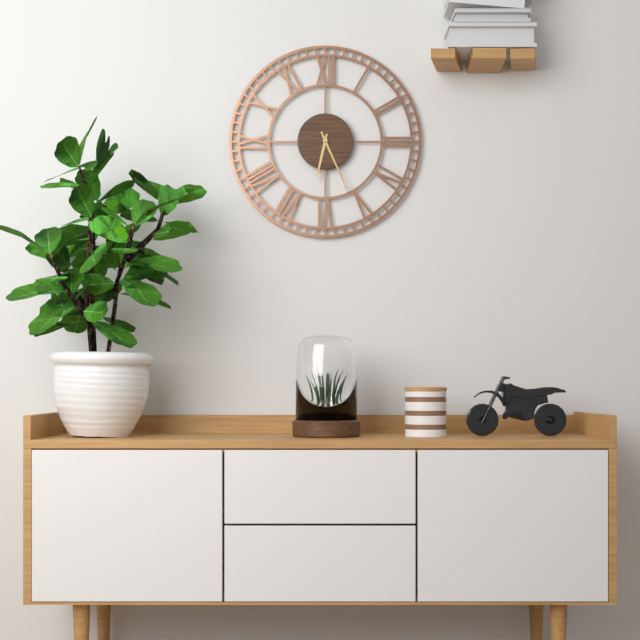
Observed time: 6.26
